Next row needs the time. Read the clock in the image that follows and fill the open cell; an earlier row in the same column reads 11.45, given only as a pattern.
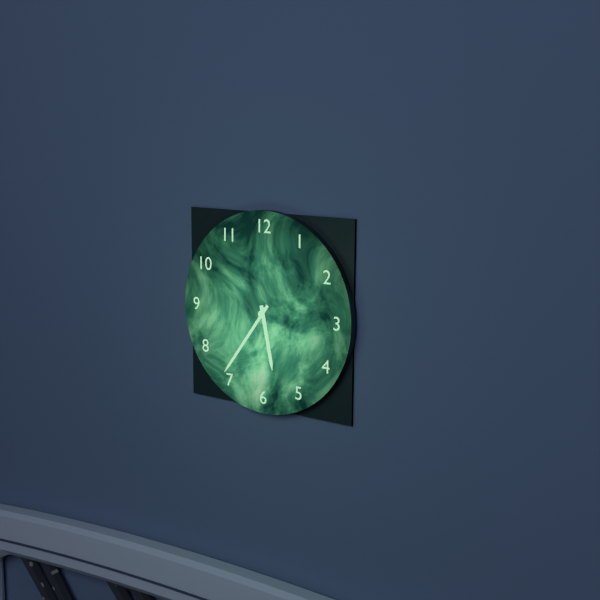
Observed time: 5.36
